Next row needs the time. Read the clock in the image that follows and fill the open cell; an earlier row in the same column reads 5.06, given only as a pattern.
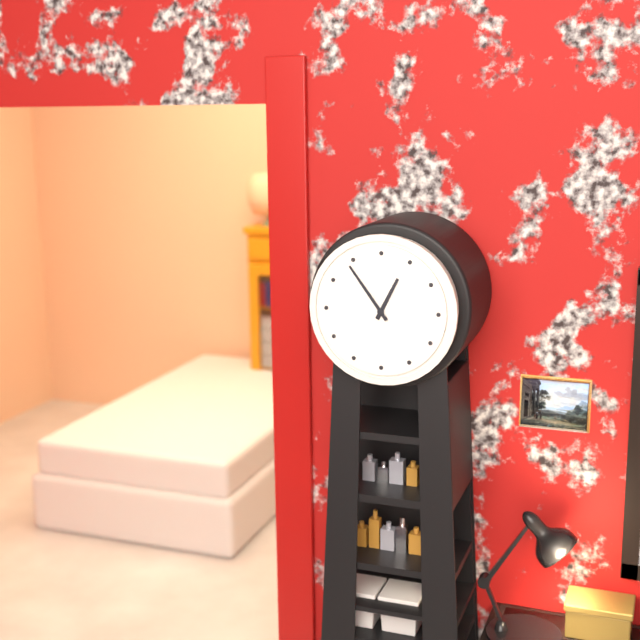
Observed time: 12.54
